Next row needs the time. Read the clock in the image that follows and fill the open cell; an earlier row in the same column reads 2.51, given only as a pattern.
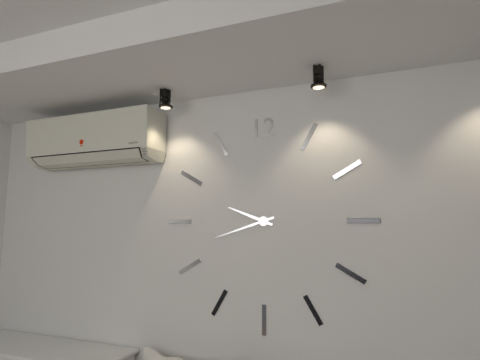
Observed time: 9.42
